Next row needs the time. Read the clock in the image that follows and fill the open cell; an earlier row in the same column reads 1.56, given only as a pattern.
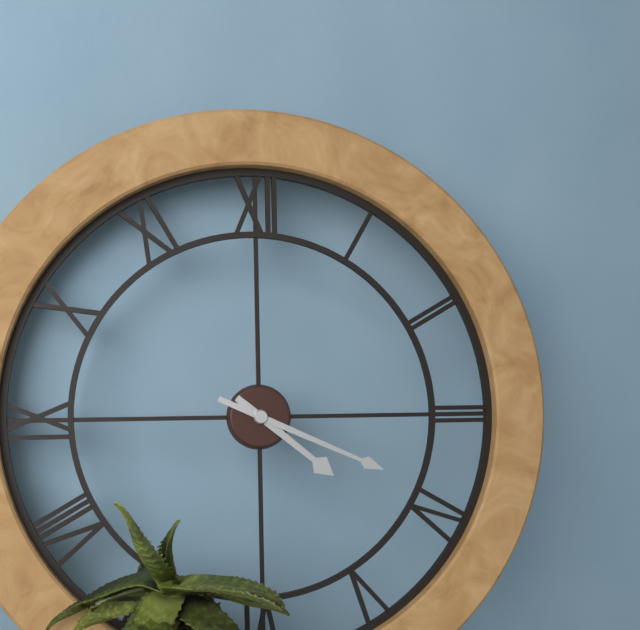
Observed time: 4.19
